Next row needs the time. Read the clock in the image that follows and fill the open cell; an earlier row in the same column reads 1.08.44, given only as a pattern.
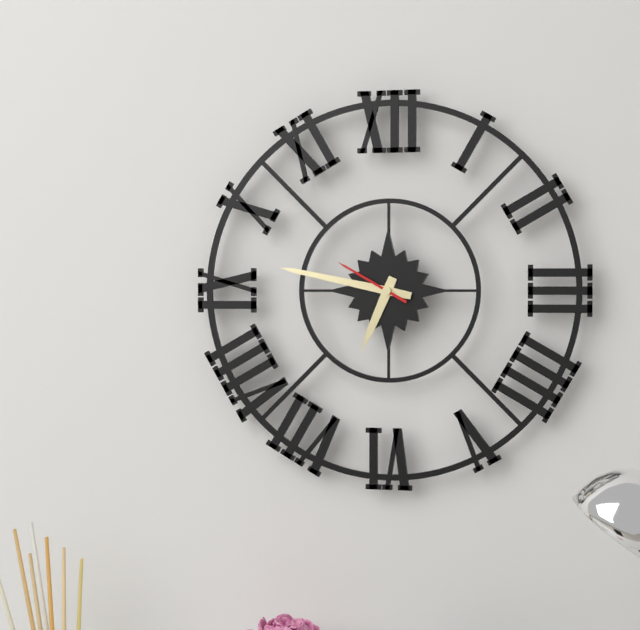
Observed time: 6.47.50
